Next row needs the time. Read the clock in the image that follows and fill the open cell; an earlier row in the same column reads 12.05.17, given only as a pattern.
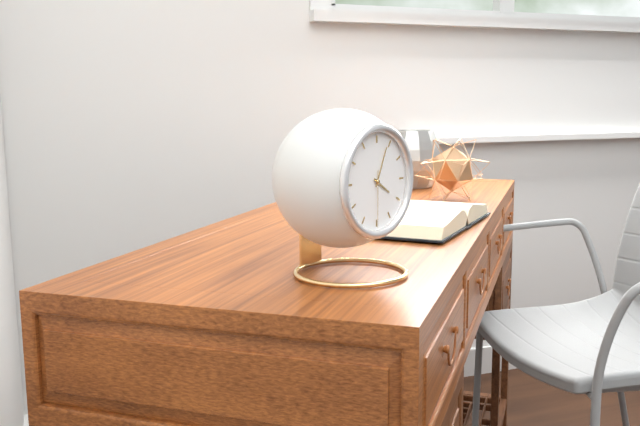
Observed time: 4.04.30
